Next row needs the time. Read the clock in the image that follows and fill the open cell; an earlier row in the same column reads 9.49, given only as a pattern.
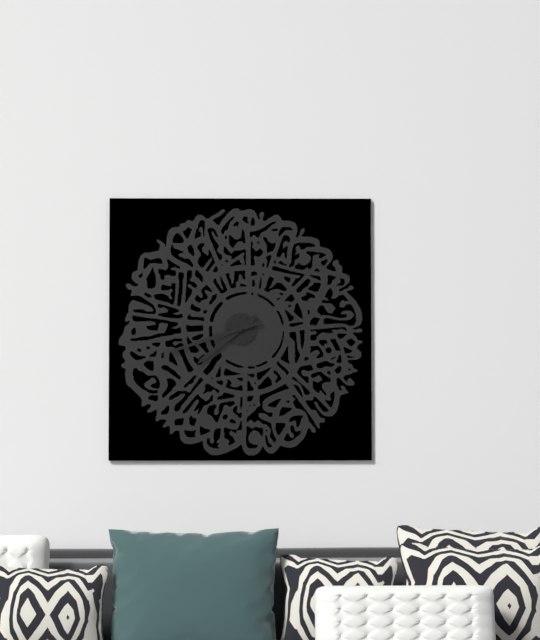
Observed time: 7.42
